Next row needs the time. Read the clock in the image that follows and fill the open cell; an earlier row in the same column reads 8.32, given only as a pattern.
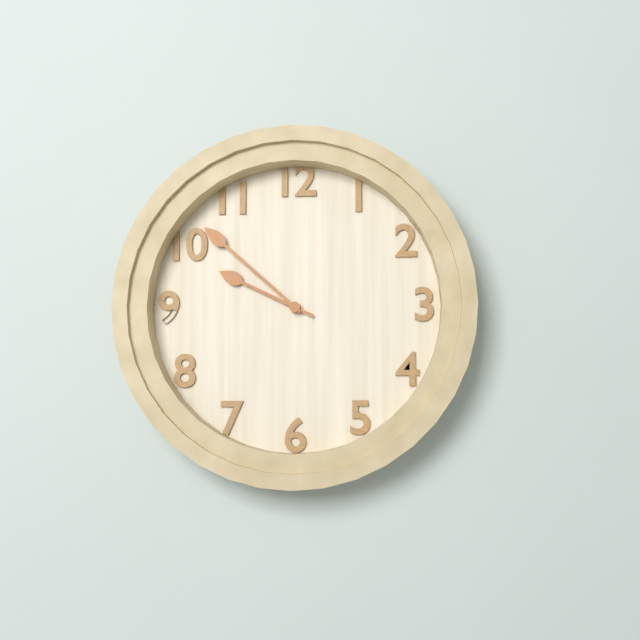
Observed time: 9.52
